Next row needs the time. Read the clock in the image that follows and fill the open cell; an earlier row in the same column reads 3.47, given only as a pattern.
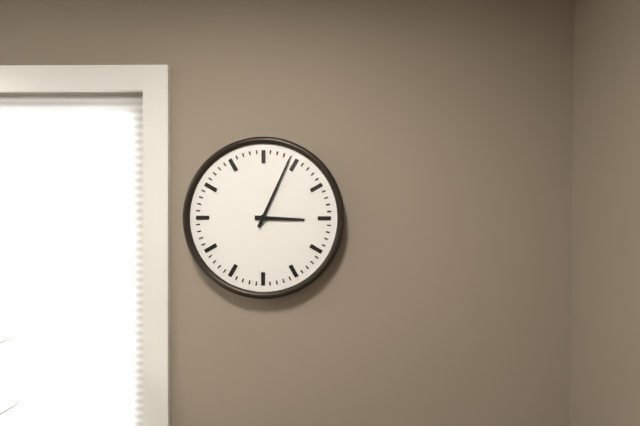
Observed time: 3.04
